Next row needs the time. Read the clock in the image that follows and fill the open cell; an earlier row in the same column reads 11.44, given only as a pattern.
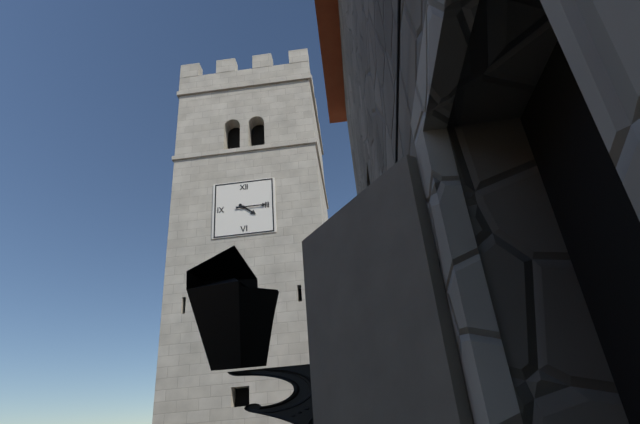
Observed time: 4.15
